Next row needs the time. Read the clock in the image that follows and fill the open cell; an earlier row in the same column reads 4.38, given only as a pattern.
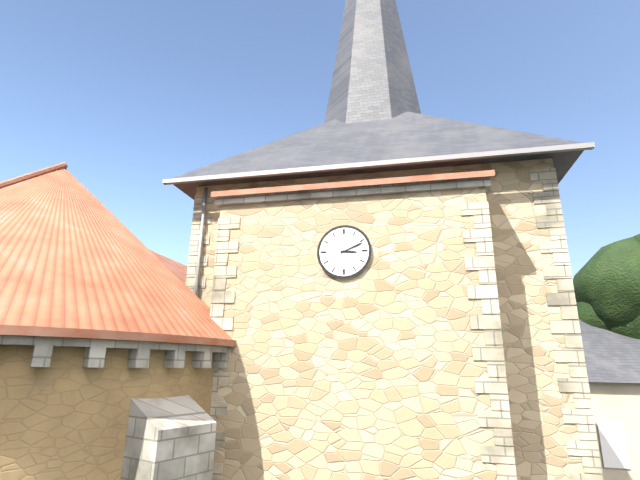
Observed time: 3.11
